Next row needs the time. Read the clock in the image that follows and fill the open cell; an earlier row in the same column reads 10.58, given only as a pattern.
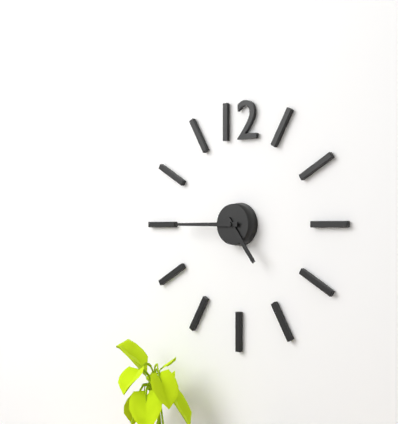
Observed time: 4.45
